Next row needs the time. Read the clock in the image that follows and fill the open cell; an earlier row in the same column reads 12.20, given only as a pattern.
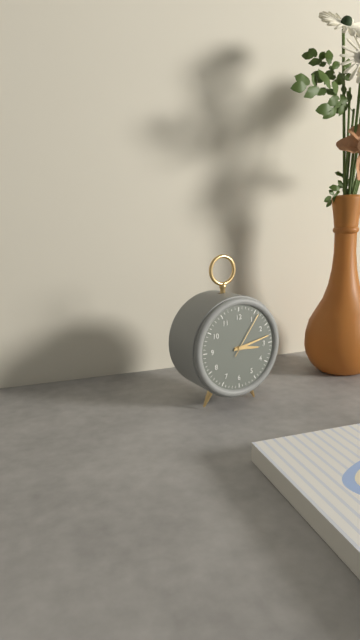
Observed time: 3.13
